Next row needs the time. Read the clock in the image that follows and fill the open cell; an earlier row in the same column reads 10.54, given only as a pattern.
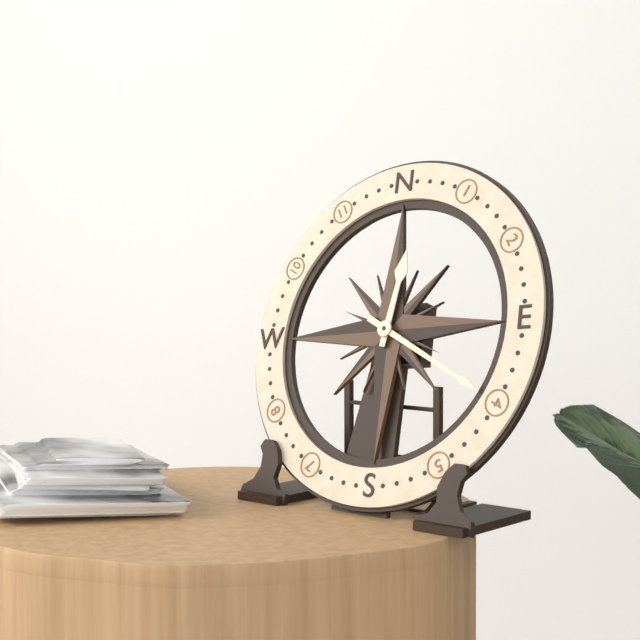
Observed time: 12.20
